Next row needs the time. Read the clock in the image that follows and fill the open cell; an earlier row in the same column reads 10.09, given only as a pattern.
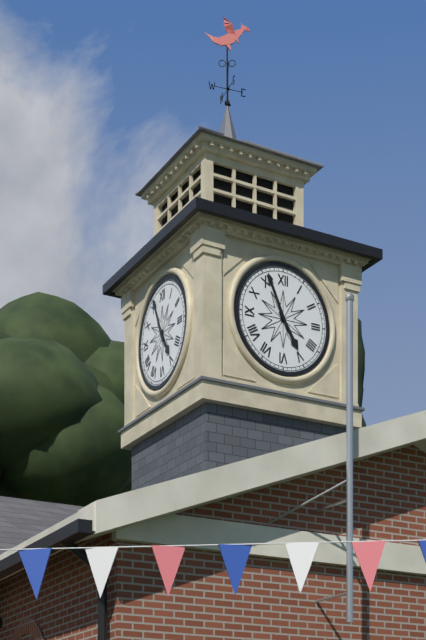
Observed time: 4.56
